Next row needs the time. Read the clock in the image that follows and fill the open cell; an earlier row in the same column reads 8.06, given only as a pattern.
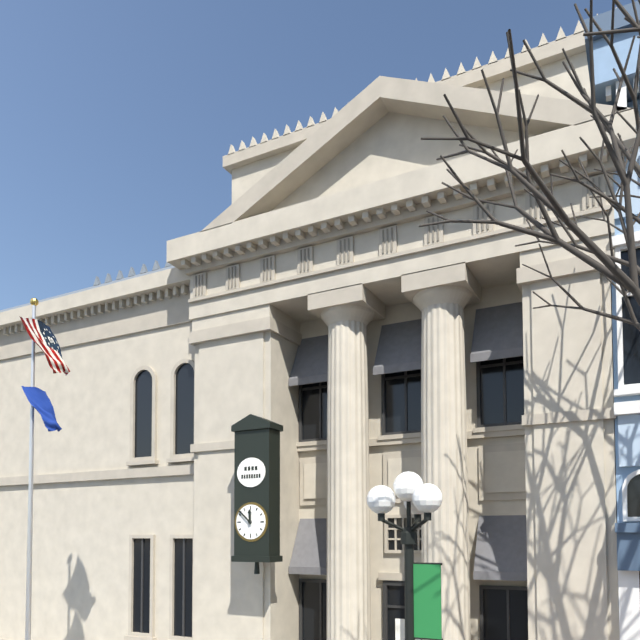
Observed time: 11.52
